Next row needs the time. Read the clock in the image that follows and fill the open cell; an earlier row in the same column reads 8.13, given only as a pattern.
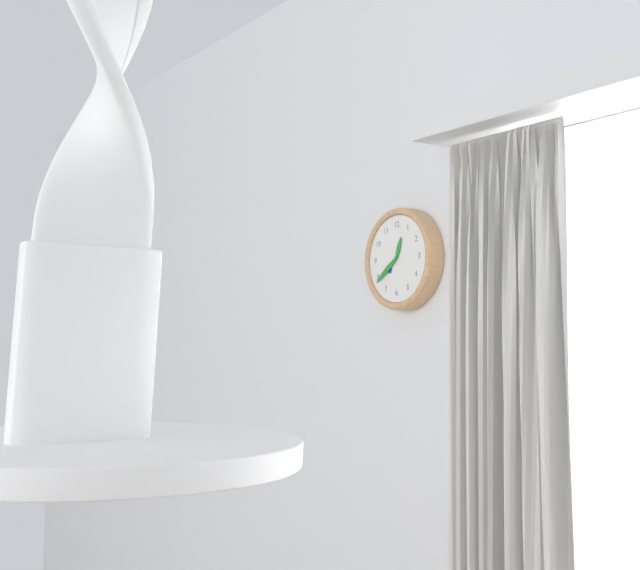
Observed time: 12.39
